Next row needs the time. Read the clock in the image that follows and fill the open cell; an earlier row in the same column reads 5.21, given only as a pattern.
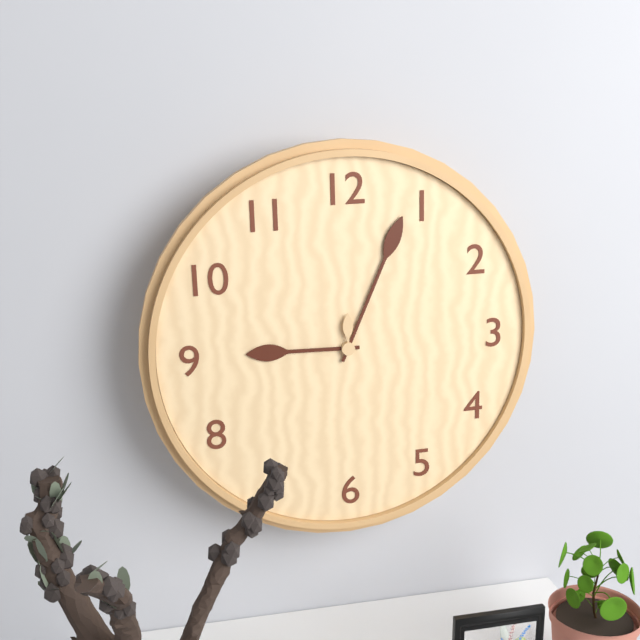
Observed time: 9.04
